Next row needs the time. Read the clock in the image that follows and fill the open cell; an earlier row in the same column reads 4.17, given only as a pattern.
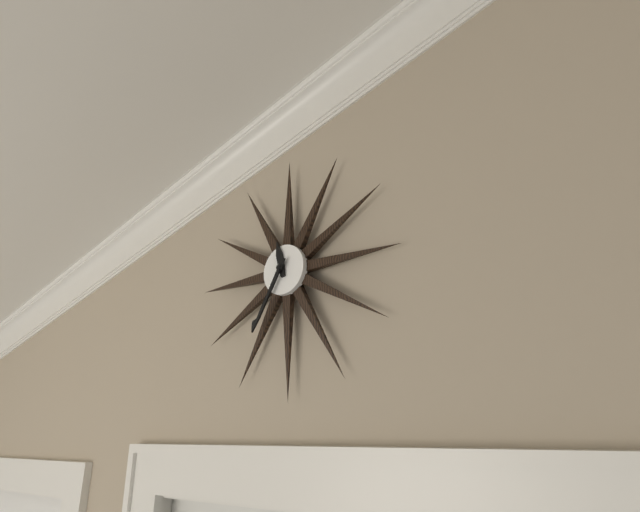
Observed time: 11.35
